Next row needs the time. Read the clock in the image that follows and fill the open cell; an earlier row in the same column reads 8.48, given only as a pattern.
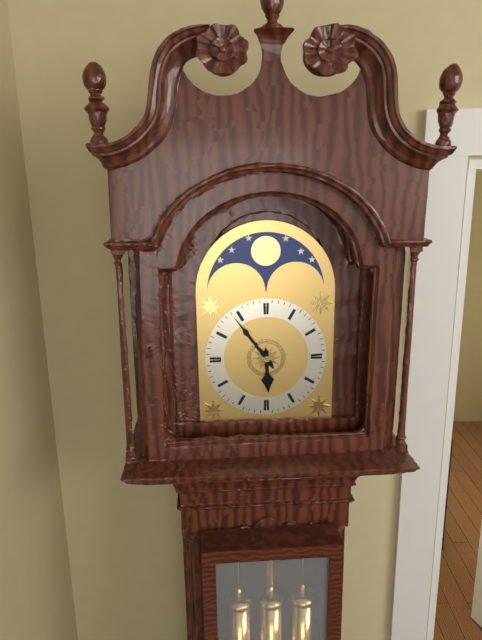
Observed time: 5.54
